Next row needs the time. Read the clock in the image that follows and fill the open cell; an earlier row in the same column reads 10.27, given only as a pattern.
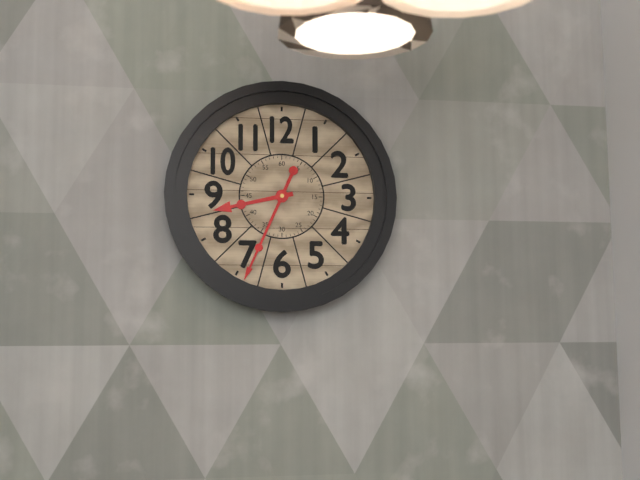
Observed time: 8.34
